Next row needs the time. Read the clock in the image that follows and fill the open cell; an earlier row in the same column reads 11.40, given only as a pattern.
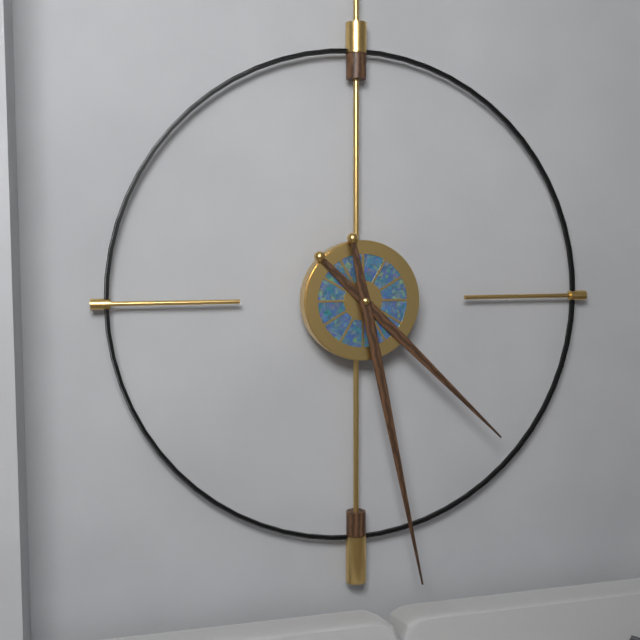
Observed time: 4.28
